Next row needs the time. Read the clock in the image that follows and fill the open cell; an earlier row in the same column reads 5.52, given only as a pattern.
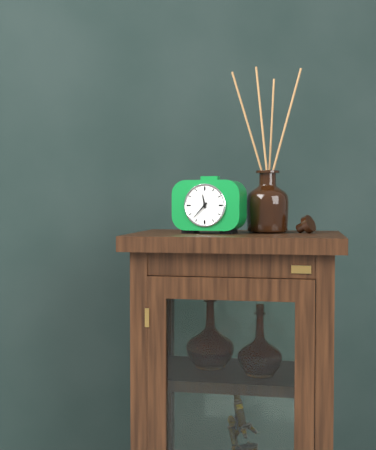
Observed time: 11.37
